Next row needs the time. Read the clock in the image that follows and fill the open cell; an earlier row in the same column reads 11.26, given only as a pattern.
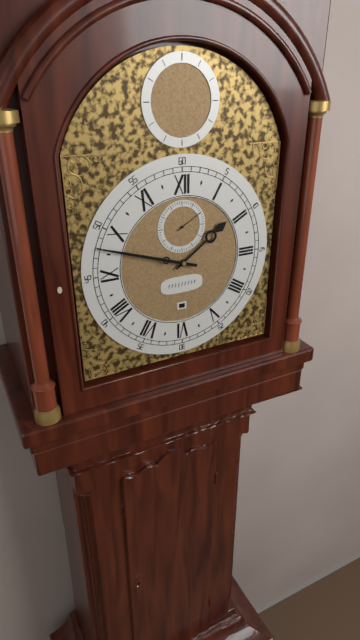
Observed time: 1.48
